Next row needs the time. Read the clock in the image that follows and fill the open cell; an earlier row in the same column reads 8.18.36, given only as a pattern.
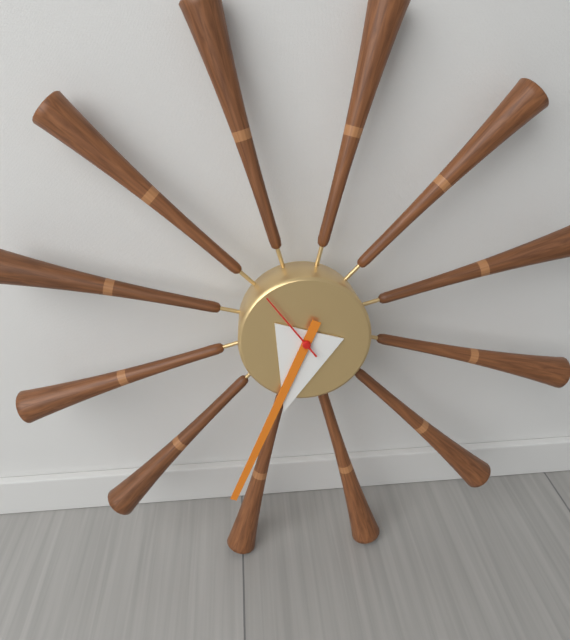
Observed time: 6.34.54
